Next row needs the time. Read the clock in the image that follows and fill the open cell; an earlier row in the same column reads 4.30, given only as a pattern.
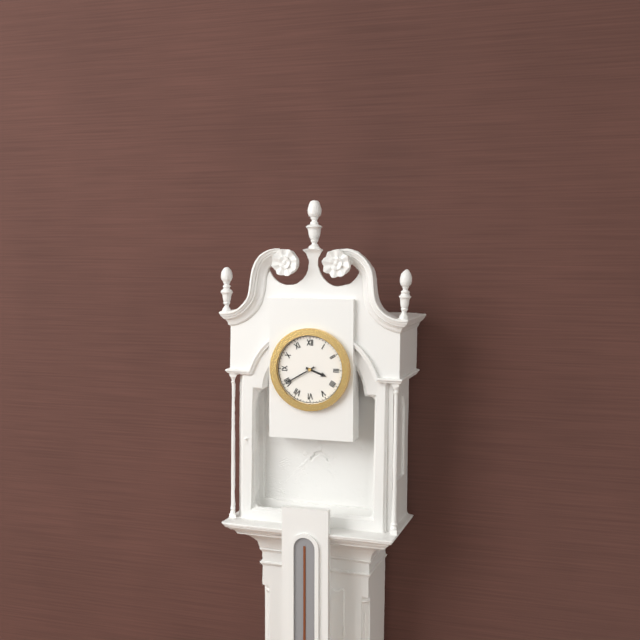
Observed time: 3.40
